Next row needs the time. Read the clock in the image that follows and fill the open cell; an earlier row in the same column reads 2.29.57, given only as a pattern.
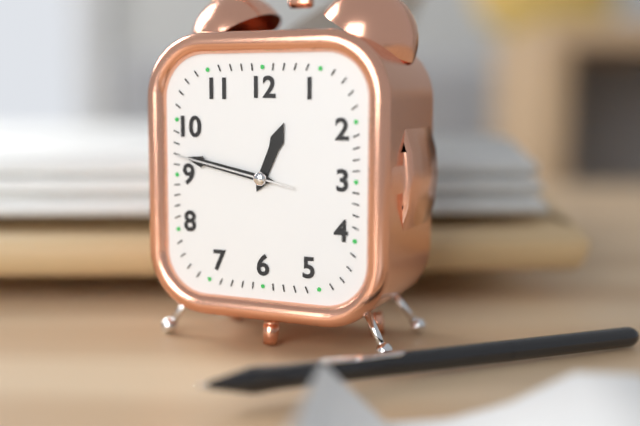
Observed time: 12.47.47
